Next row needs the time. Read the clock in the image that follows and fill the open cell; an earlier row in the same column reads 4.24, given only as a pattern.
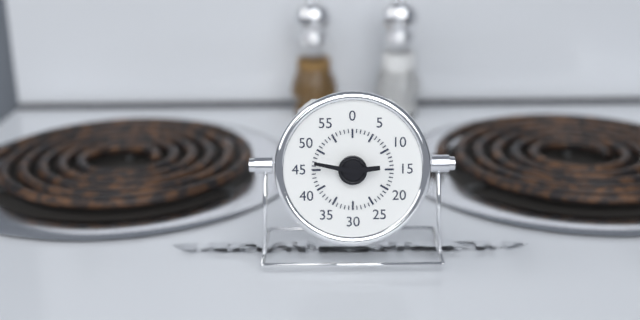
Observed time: 2.47
